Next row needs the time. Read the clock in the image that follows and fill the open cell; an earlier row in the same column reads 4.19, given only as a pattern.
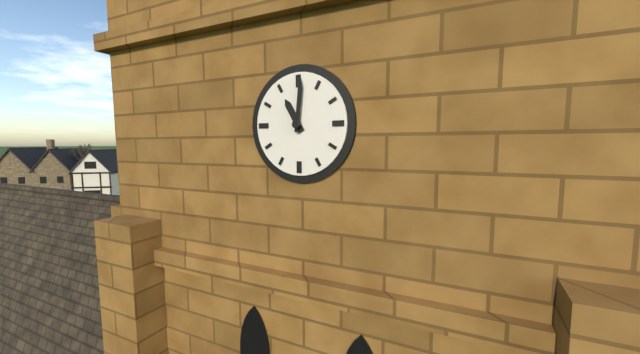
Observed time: 11.01
